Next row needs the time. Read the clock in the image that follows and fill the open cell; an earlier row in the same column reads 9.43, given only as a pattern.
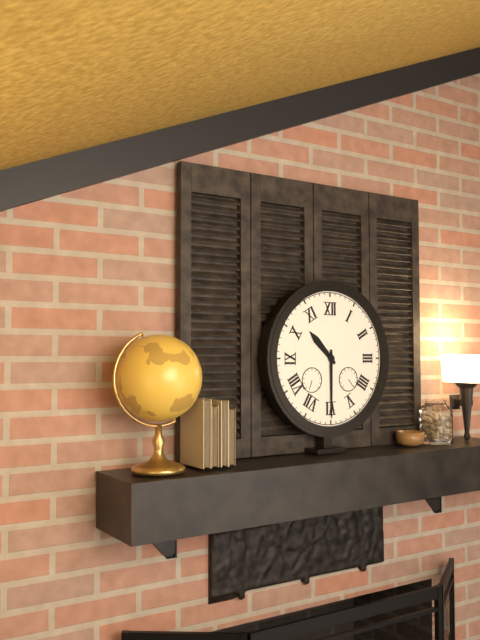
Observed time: 10.30
